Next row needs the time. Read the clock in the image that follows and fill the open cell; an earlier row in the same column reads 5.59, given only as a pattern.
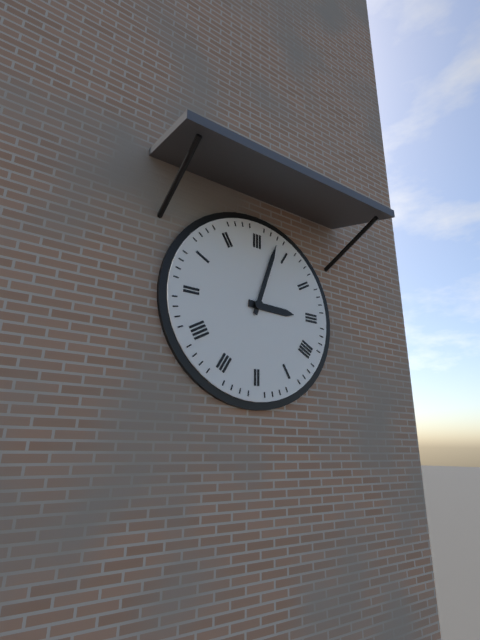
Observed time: 3.03
